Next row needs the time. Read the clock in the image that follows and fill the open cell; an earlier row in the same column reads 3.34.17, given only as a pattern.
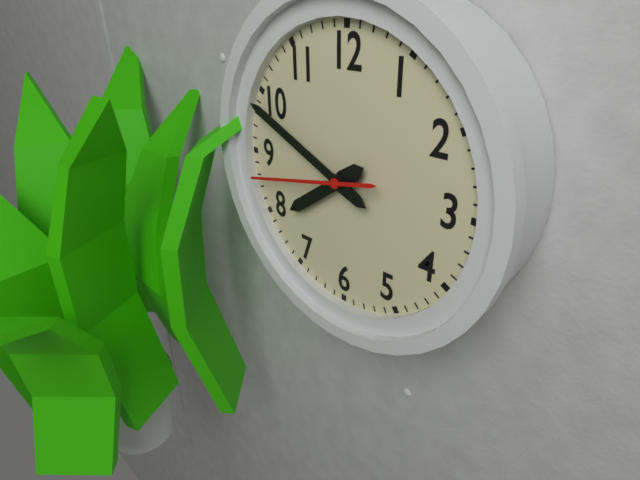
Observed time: 7.49.43
